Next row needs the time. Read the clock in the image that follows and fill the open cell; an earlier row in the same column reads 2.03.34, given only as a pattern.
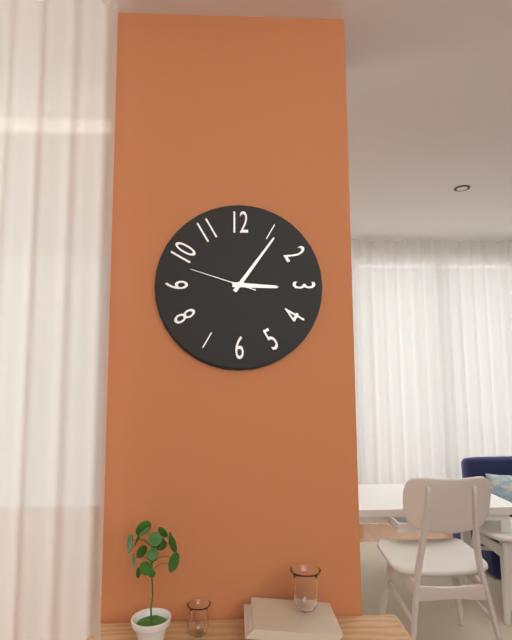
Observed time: 3.06.48
